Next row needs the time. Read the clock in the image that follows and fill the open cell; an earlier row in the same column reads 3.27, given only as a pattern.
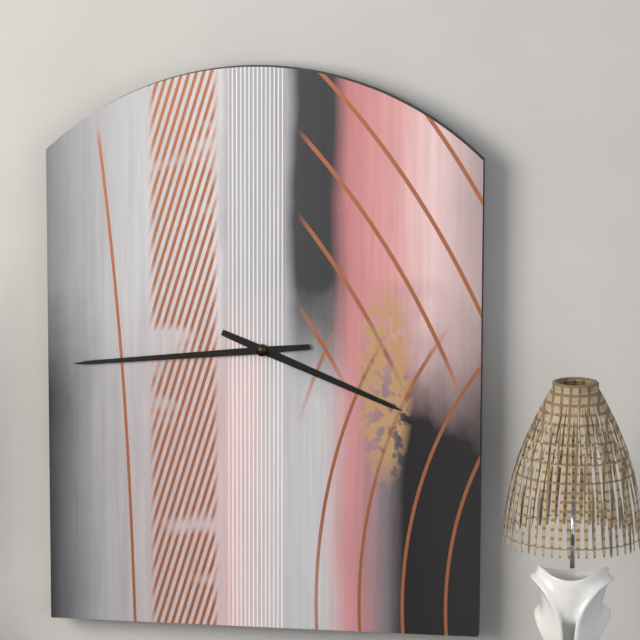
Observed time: 3.44
